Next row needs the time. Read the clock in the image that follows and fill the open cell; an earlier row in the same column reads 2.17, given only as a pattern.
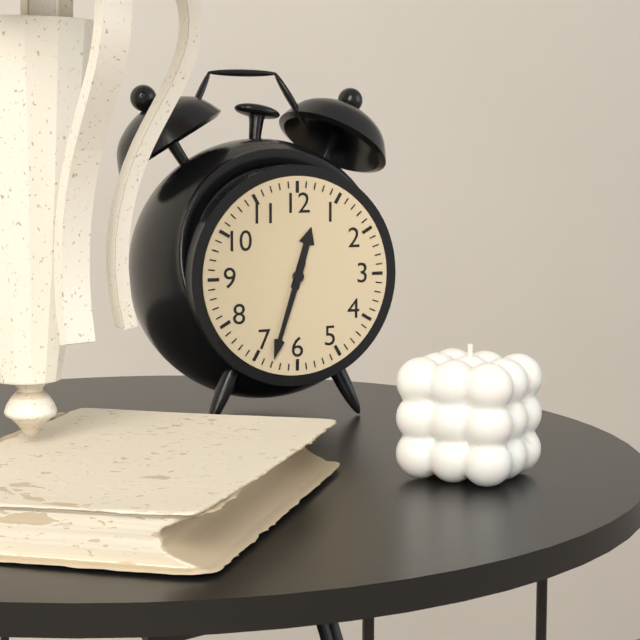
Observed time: 12.33
